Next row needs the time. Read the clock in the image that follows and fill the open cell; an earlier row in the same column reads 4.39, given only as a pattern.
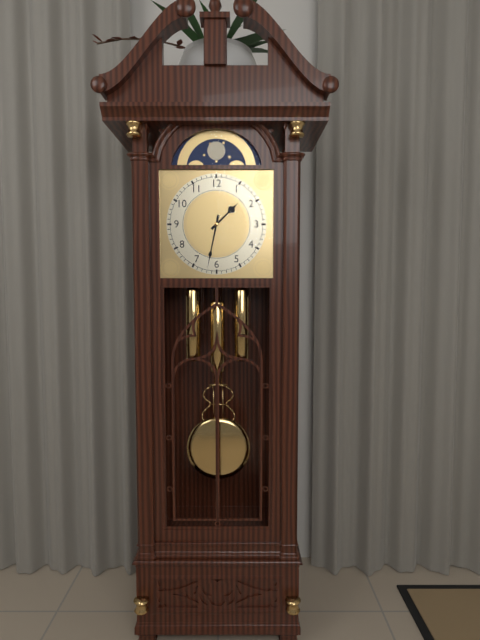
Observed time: 1.32
